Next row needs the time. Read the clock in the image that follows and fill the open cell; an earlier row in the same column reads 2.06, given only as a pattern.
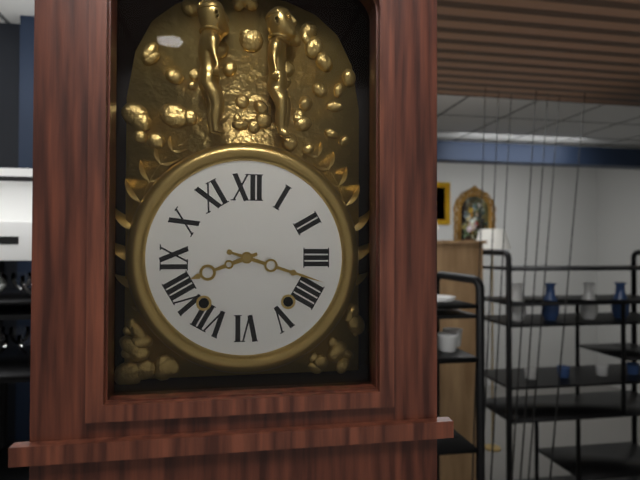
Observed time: 8.18
